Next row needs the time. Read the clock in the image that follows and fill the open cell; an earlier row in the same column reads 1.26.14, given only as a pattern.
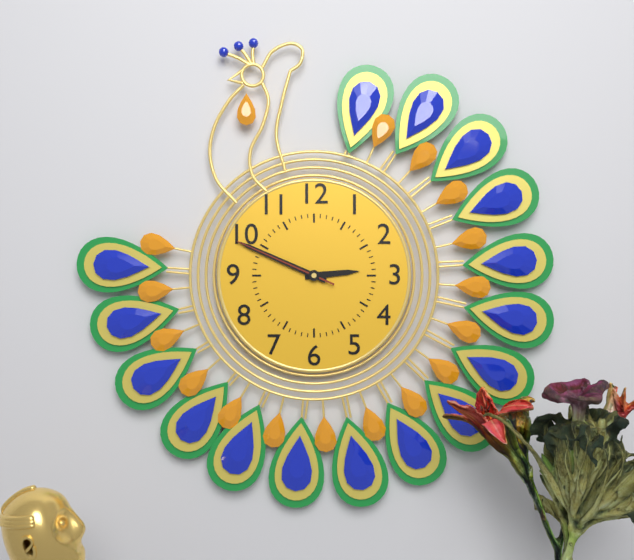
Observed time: 2.49.49
